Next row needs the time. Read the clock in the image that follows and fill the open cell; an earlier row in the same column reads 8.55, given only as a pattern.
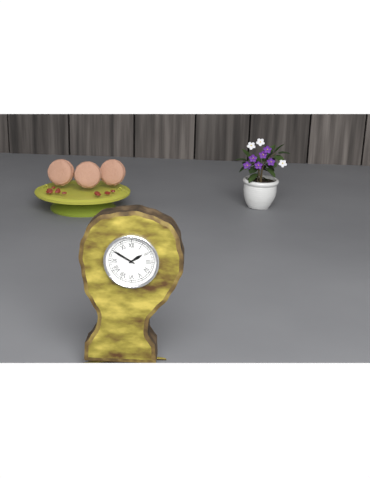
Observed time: 1.50
